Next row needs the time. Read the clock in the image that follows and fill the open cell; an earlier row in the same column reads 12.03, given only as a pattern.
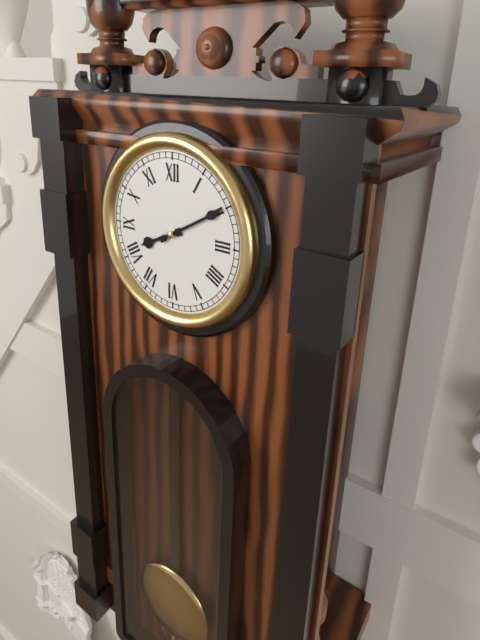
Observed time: 8.10
